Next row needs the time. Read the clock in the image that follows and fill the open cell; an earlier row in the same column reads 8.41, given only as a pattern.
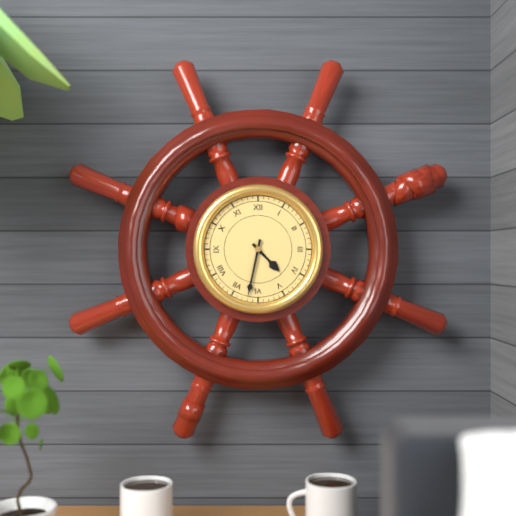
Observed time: 4.32
